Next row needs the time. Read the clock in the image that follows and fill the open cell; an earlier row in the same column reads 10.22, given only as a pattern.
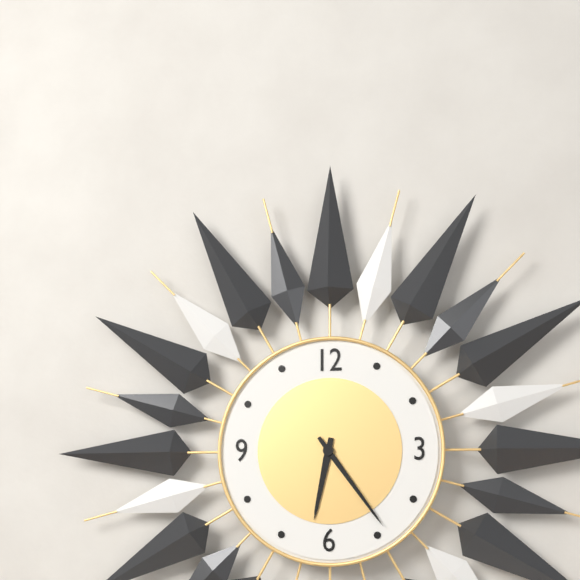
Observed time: 6.24
